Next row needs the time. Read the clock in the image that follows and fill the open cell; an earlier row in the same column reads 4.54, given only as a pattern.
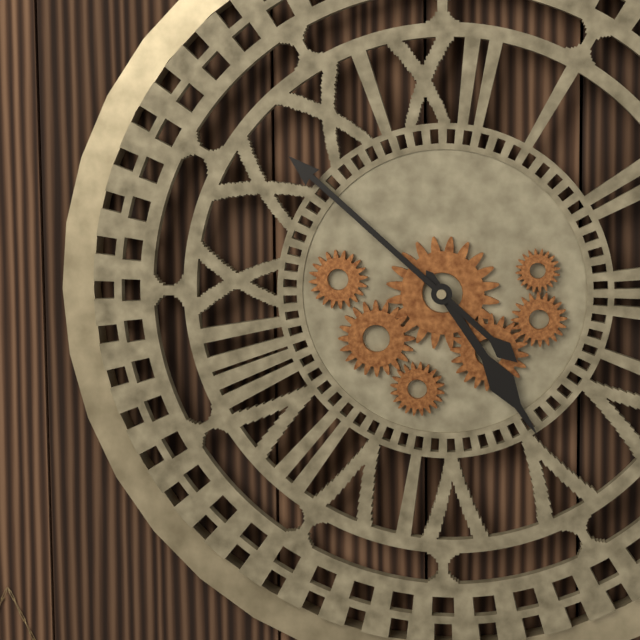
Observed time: 4.52
